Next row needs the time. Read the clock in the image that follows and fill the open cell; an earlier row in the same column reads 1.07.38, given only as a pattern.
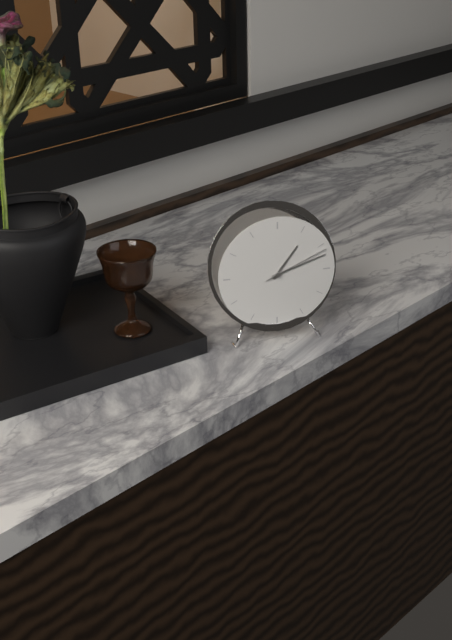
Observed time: 1.12.11
